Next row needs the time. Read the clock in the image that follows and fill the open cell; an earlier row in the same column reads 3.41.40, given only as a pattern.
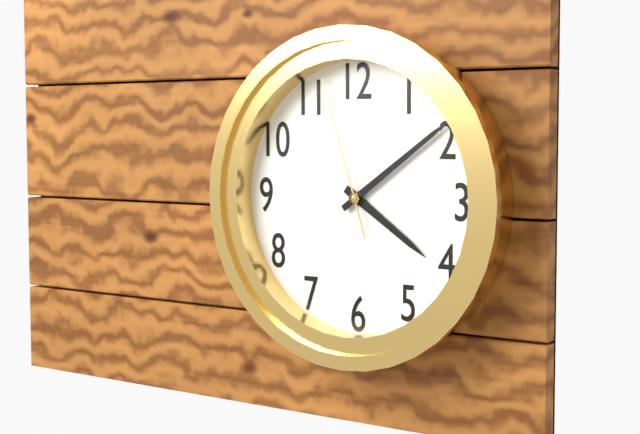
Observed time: 4.09.57
